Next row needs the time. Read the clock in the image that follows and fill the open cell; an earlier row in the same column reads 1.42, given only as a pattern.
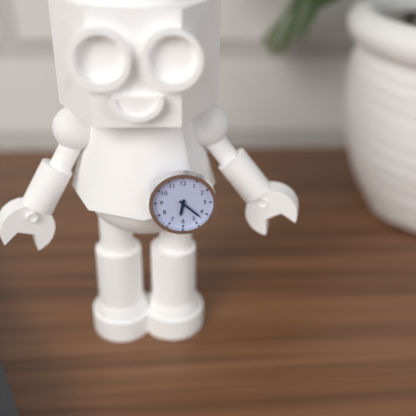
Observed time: 6.22
